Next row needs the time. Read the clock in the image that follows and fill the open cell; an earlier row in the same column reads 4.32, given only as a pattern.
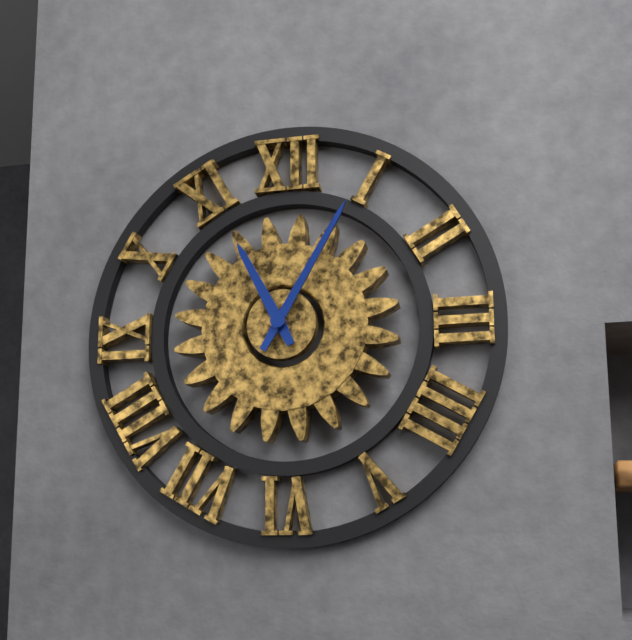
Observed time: 11.05
